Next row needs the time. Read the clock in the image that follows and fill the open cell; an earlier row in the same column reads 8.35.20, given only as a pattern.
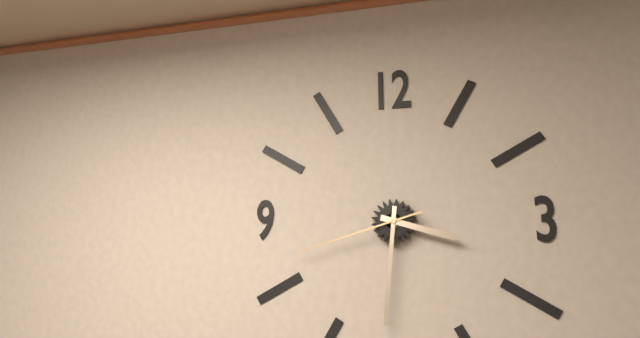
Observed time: 3.31.42
